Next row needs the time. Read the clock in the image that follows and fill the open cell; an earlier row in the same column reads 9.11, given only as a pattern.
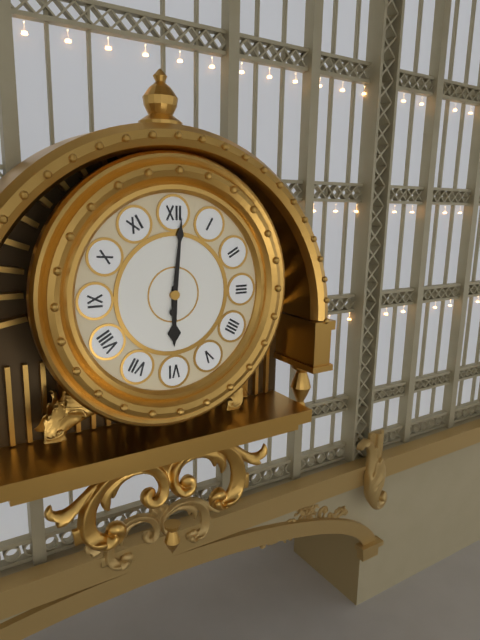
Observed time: 6.01
